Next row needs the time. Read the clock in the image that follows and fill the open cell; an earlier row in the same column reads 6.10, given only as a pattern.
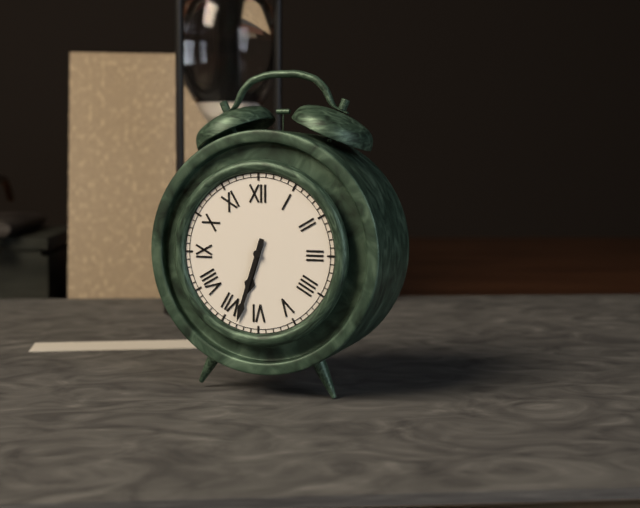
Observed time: 6.33
